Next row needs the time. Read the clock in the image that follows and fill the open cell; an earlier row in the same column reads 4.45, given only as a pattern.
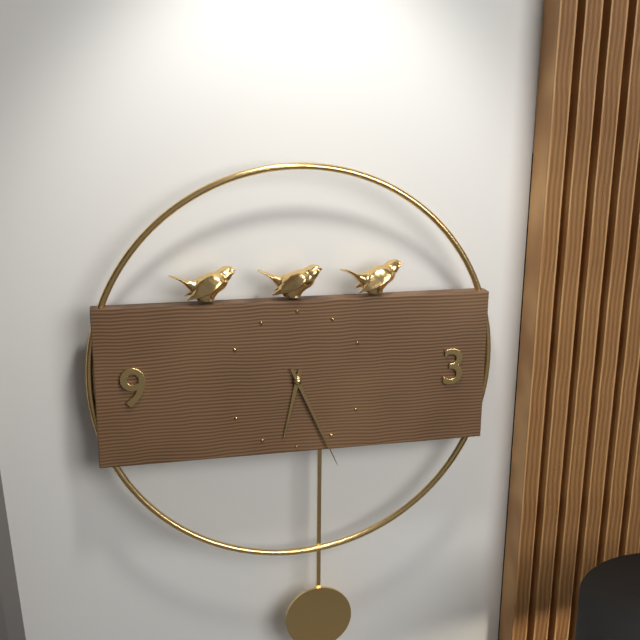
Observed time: 6.26
